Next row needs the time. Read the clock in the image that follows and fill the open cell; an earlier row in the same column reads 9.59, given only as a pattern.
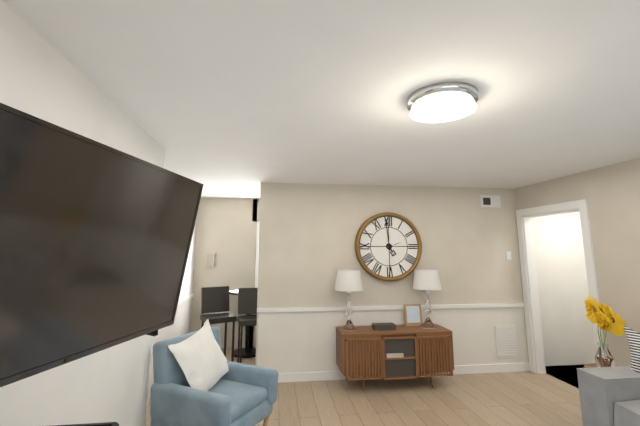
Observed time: 4.59
